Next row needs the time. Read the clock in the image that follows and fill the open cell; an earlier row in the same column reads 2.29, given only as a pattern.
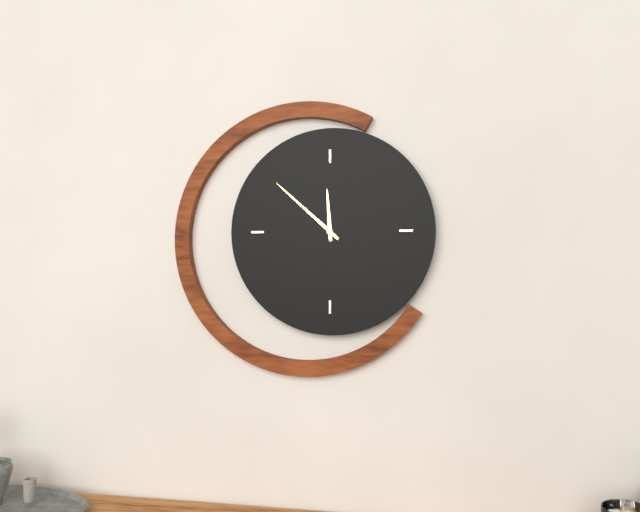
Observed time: 11.52
